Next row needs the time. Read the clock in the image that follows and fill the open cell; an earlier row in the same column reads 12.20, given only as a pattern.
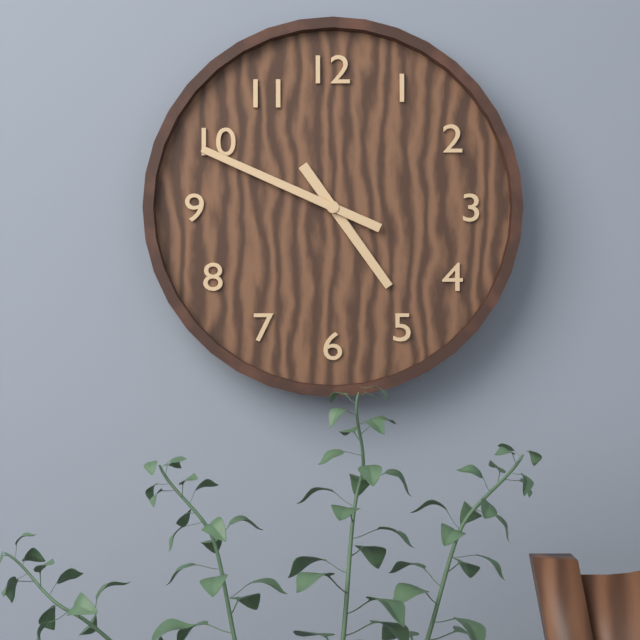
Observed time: 4.49
